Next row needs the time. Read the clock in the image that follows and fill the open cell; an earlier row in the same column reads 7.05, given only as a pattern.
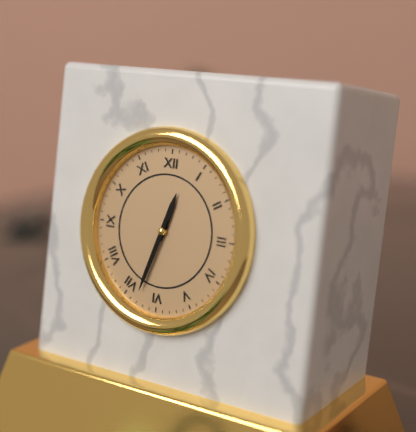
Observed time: 12.33
